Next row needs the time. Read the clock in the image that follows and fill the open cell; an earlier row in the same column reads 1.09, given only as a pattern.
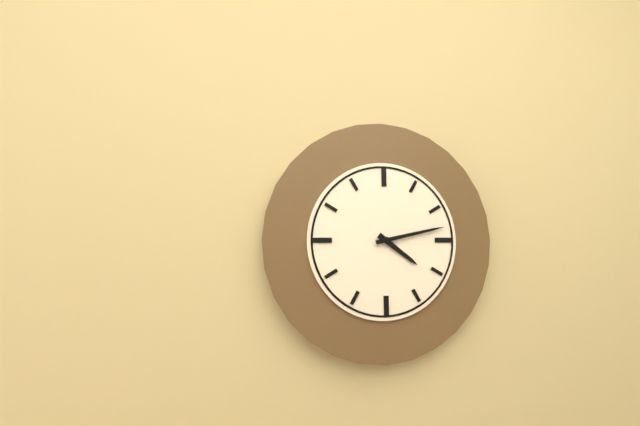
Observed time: 4.13
